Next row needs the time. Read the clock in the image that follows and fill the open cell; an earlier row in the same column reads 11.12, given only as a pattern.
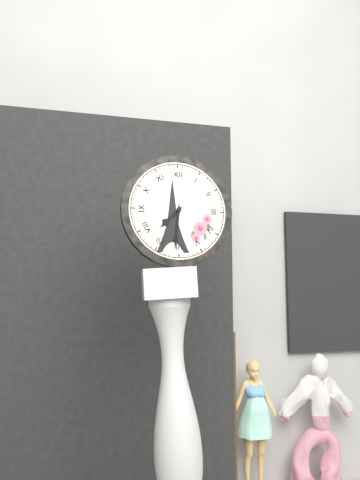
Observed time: 7.31
